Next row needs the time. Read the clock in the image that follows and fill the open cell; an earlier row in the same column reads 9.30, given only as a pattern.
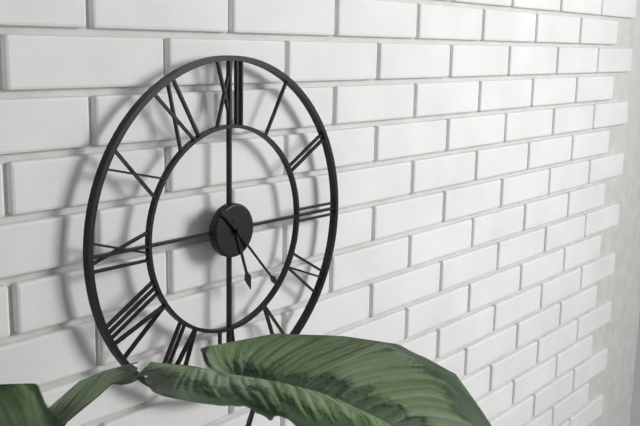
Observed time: 5.23
